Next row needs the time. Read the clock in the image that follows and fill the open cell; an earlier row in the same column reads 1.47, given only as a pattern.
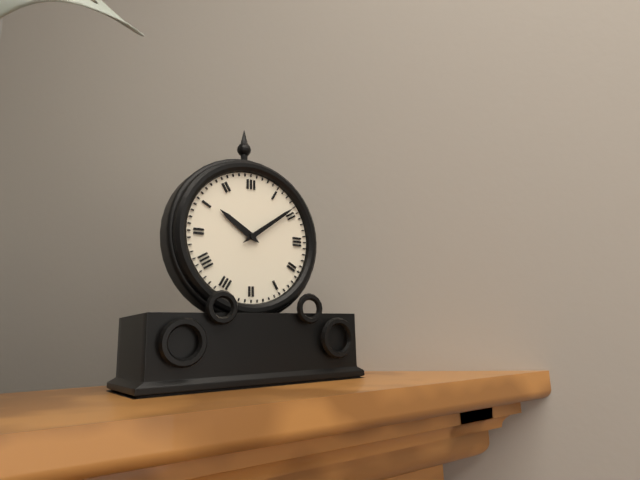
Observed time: 10.09
